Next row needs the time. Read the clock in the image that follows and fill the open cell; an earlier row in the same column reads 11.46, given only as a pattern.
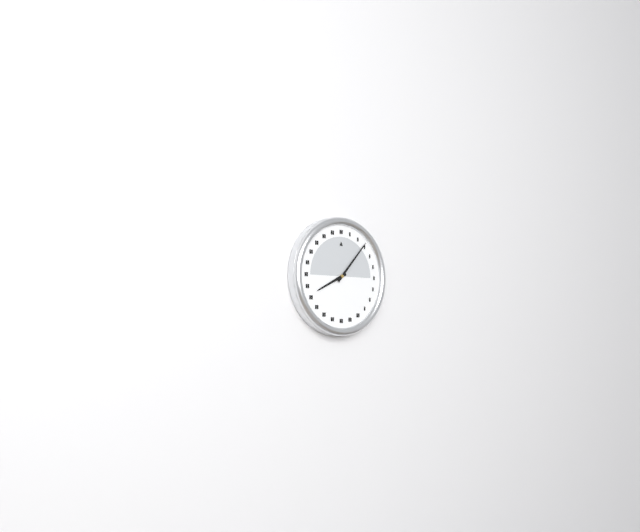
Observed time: 8.07
